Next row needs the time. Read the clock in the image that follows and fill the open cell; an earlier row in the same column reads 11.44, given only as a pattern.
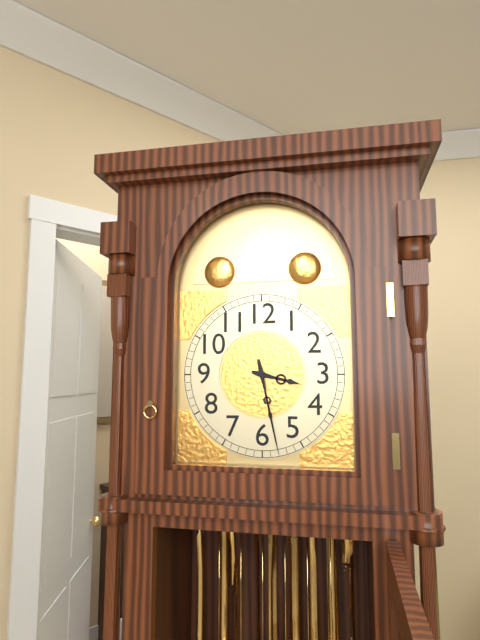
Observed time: 3.28
